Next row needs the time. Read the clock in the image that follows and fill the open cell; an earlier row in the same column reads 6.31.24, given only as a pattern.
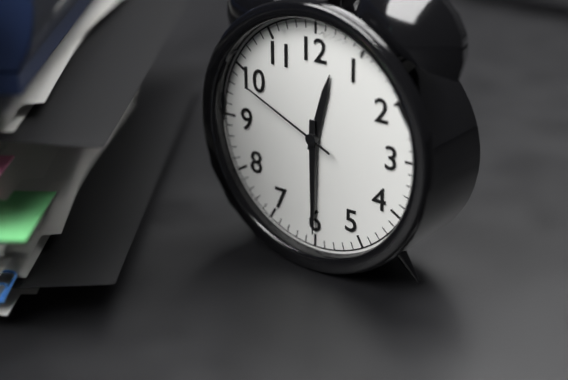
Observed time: 12.30.49
